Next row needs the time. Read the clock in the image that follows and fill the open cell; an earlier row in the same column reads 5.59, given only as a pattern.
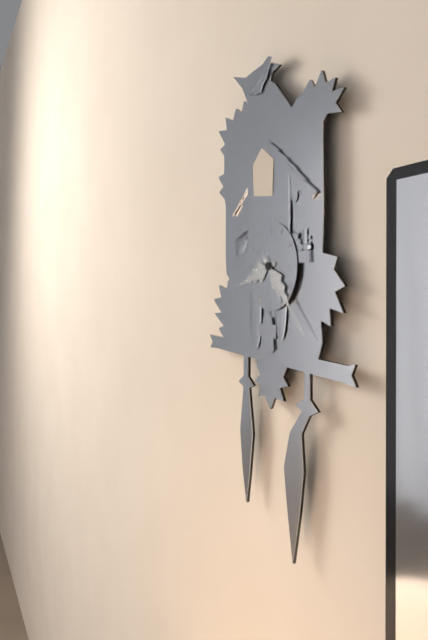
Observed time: 8.23
